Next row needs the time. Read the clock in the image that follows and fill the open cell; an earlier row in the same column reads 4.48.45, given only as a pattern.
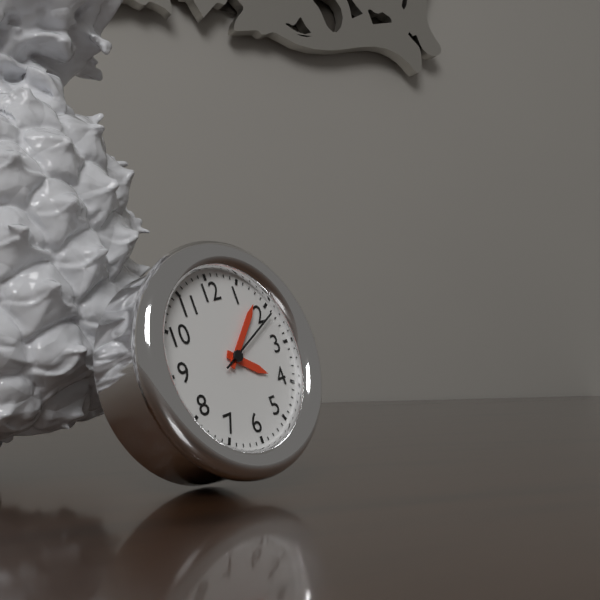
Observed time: 4.08.11
